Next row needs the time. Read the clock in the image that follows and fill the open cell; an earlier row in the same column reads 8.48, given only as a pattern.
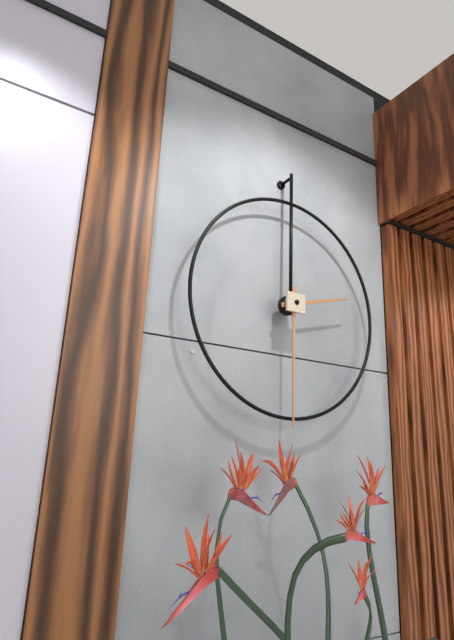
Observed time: 2.30
